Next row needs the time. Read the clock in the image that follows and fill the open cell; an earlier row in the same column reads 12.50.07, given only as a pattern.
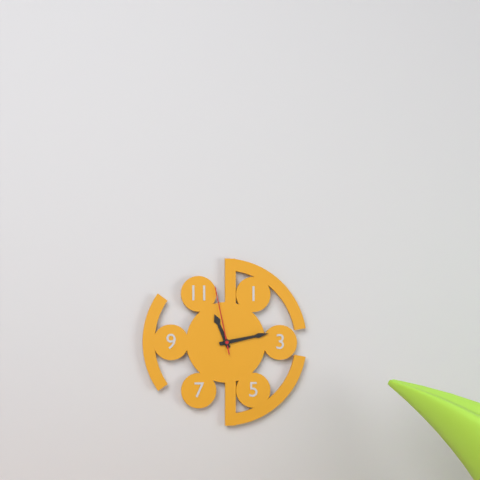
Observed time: 11.13.58
